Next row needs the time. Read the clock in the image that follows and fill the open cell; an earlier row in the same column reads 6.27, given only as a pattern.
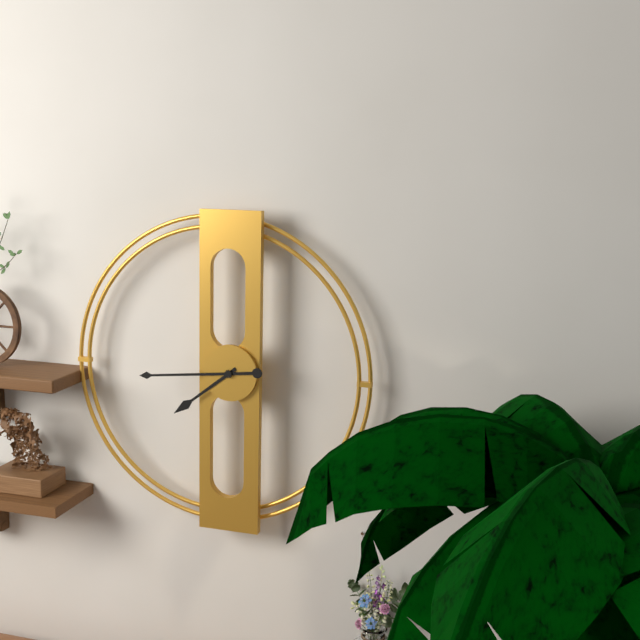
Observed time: 7.44
